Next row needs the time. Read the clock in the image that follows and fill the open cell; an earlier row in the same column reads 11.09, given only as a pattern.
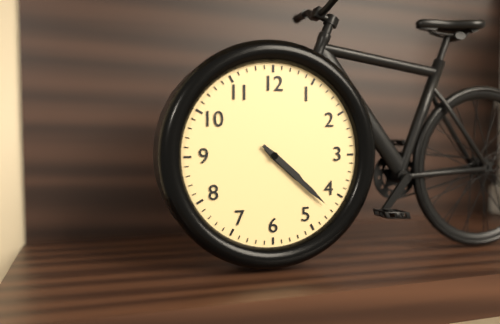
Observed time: 4.22
